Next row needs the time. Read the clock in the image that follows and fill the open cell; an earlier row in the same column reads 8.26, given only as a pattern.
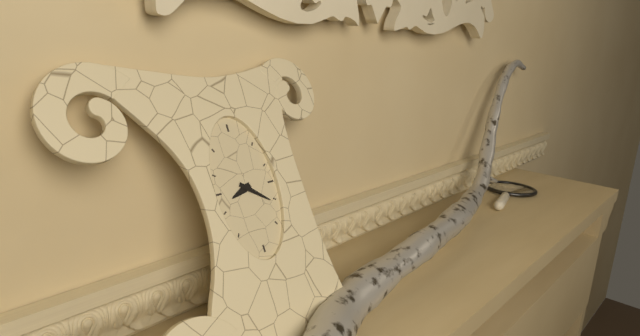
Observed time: 8.21
